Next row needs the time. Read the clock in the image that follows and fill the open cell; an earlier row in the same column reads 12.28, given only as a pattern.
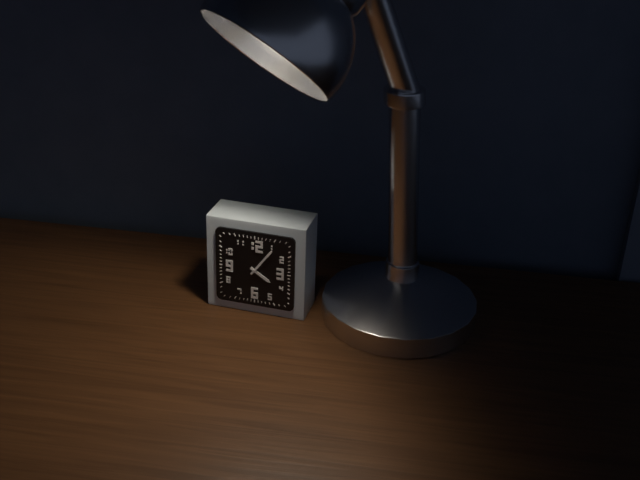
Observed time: 4.06
